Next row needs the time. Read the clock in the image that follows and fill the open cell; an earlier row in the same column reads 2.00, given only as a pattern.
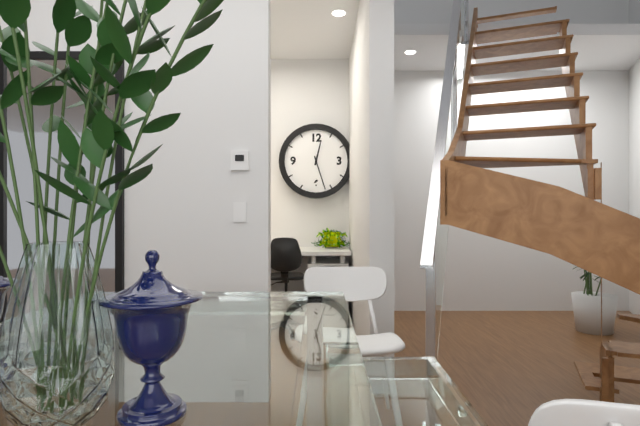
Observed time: 12.27
